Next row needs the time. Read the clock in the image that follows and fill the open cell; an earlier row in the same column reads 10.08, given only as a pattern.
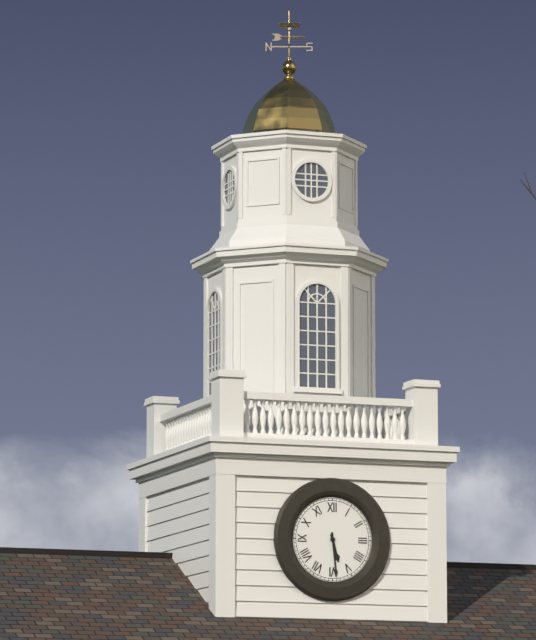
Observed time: 5.29
